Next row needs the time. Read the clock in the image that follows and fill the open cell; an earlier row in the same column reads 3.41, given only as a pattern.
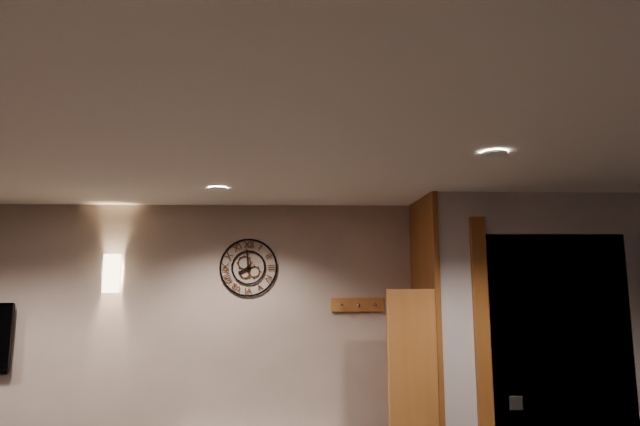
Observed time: 7.59
